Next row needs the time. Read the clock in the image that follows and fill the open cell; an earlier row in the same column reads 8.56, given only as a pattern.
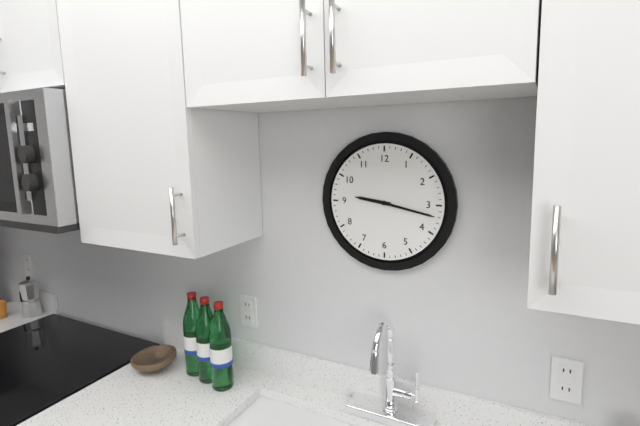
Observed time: 9.17
